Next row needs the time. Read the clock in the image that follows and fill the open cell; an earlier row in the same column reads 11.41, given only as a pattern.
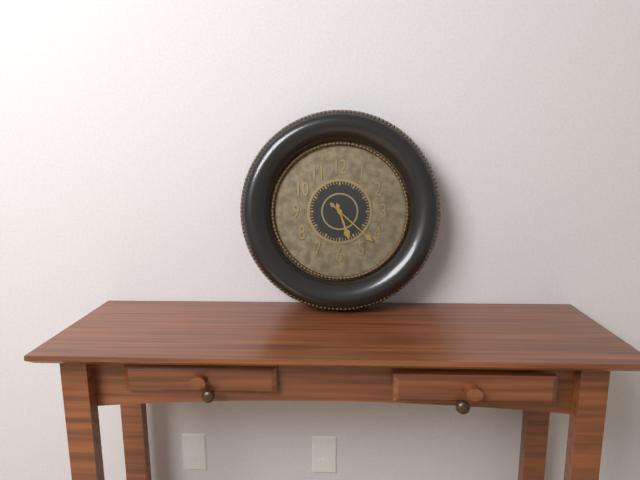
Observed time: 5.22
